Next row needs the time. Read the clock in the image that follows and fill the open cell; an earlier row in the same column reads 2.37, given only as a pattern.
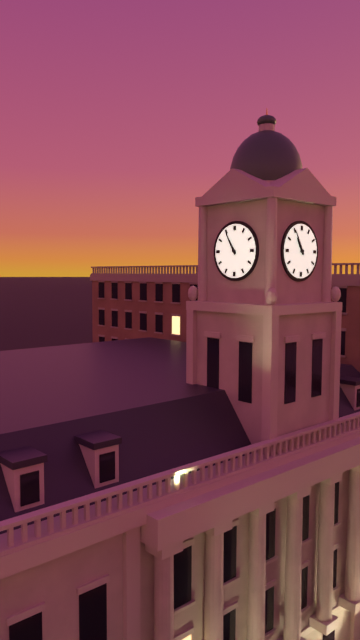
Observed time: 10.55
